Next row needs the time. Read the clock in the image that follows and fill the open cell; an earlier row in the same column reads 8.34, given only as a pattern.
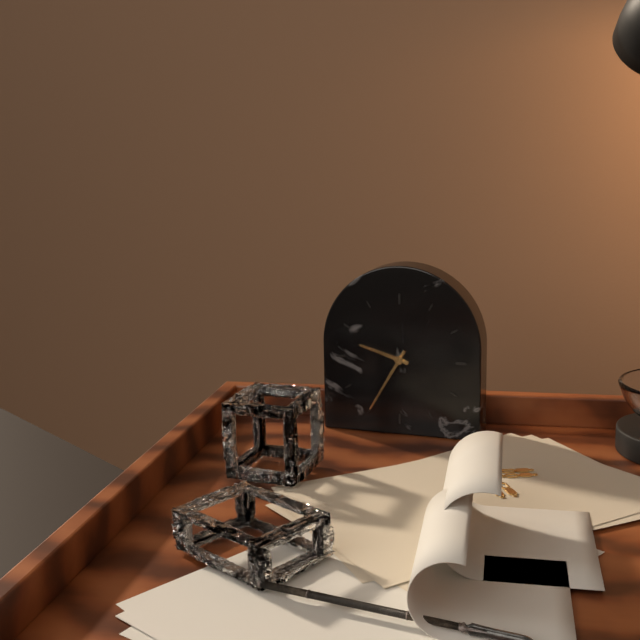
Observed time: 9.35
